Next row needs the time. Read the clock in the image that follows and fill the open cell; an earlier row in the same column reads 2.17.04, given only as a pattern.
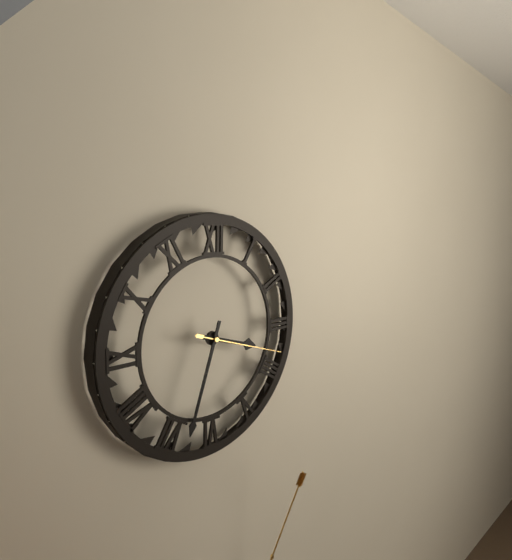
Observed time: 3.33.18
